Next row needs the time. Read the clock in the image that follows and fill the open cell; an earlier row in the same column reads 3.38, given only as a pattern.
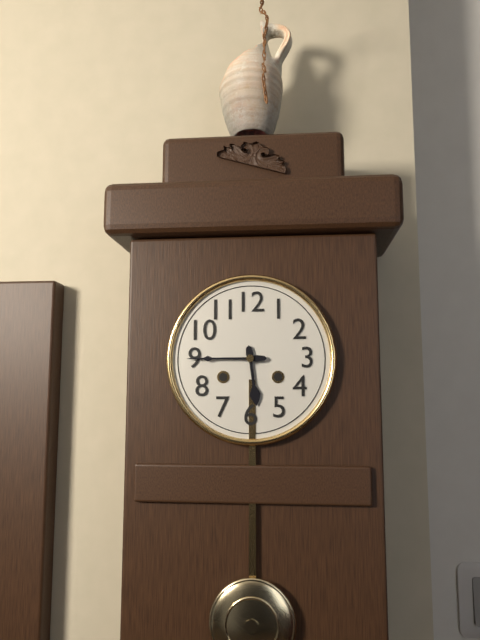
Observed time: 5.45
